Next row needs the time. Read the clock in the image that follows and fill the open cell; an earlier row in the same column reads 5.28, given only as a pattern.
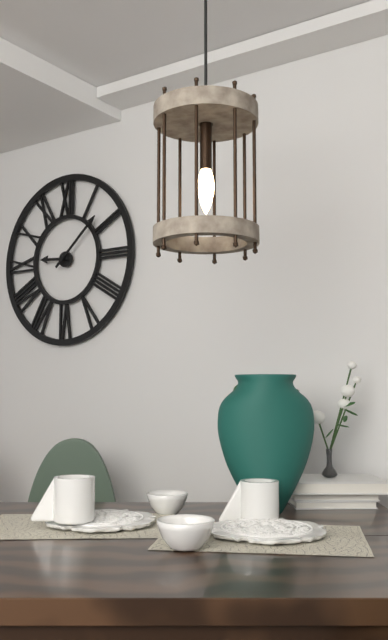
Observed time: 9.08
